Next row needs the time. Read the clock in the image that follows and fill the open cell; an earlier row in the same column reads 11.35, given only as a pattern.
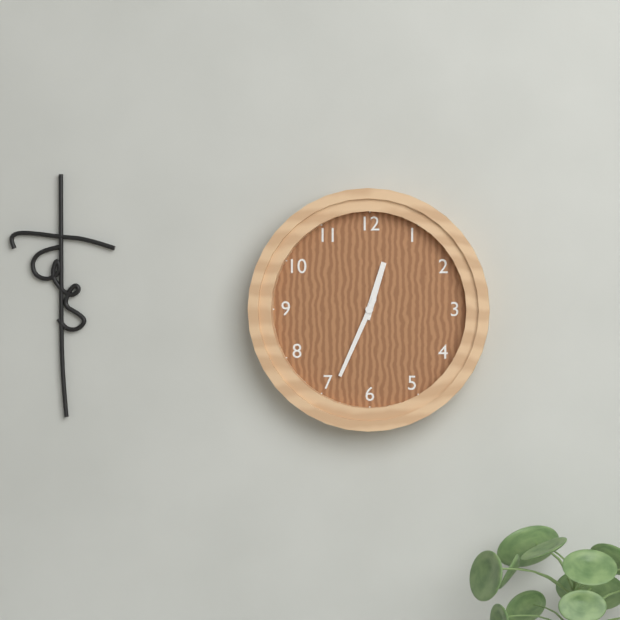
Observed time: 12.34
